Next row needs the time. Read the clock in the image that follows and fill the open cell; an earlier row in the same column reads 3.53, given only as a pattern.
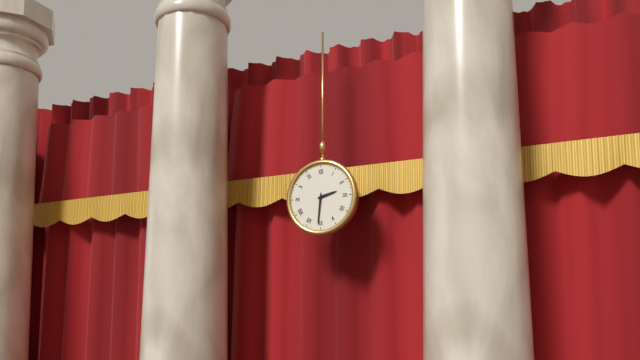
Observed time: 2.31
